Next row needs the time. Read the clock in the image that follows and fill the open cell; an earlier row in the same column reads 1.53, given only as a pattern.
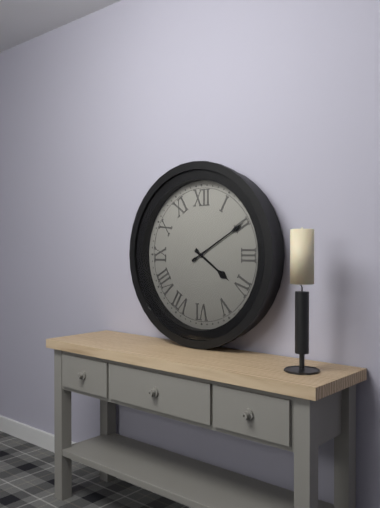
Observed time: 4.10
